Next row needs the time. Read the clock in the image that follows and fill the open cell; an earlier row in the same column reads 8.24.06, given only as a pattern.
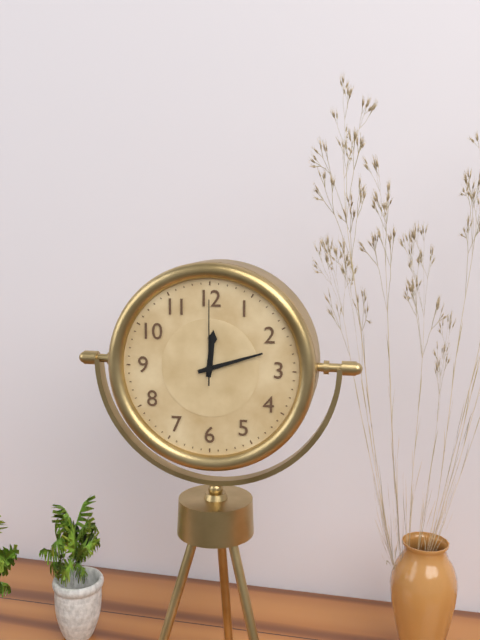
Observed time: 12.12.00
